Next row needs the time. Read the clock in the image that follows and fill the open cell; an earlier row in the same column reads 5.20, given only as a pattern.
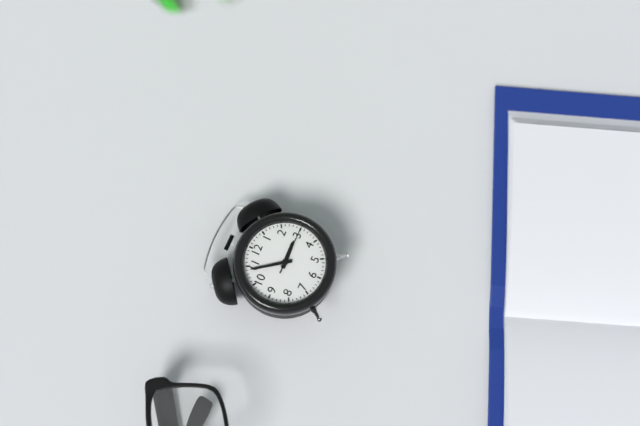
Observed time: 2.54
